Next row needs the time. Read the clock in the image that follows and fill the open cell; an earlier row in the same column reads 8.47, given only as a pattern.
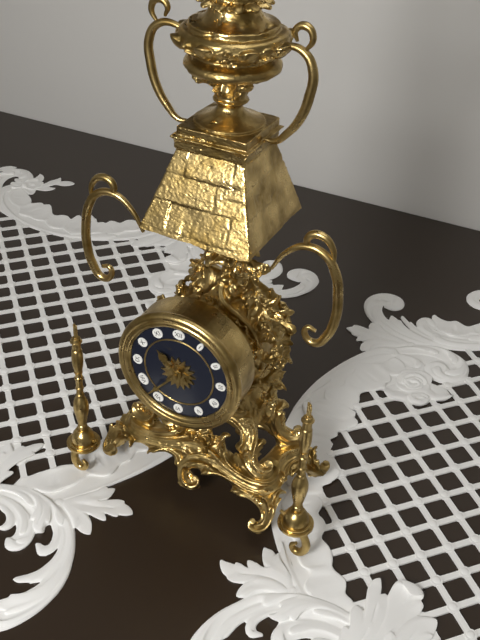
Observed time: 10.37
